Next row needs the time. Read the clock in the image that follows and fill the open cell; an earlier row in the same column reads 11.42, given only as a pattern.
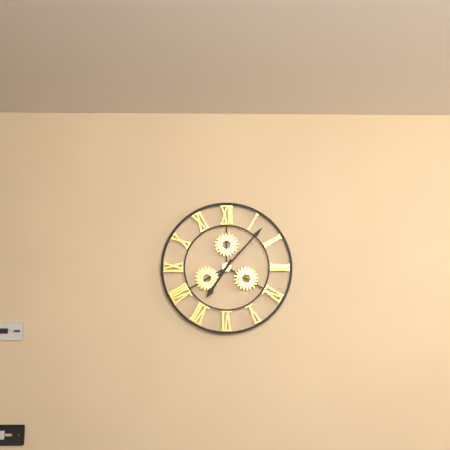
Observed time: 7.07
